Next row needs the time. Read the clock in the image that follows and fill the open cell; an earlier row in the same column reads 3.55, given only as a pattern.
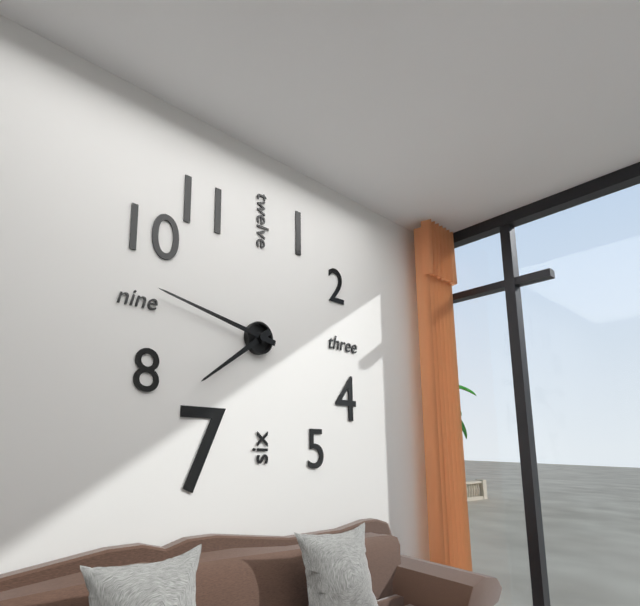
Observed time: 7.47
